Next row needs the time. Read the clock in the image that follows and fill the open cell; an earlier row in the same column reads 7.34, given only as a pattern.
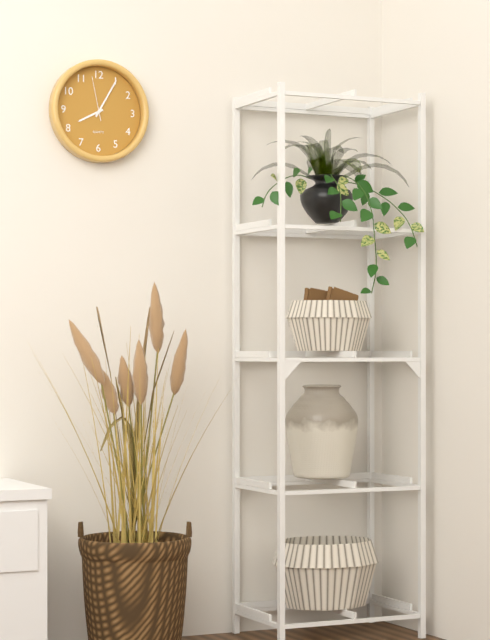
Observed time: 8.05
